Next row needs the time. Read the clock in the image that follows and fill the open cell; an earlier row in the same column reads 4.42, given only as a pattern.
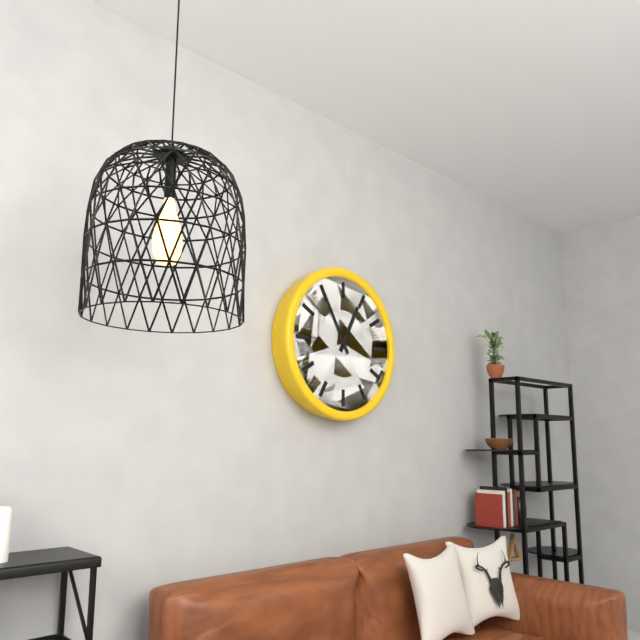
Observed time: 12.55
